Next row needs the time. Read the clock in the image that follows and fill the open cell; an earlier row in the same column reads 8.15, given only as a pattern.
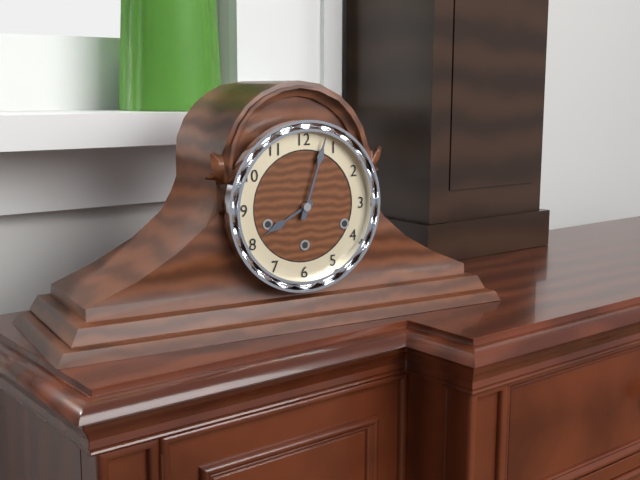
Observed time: 8.03
